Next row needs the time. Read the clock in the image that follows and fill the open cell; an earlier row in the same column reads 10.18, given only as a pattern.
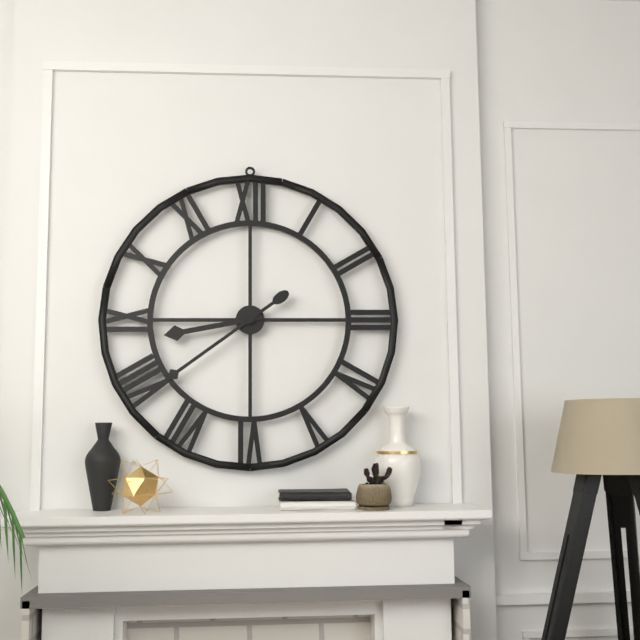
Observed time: 8.39
